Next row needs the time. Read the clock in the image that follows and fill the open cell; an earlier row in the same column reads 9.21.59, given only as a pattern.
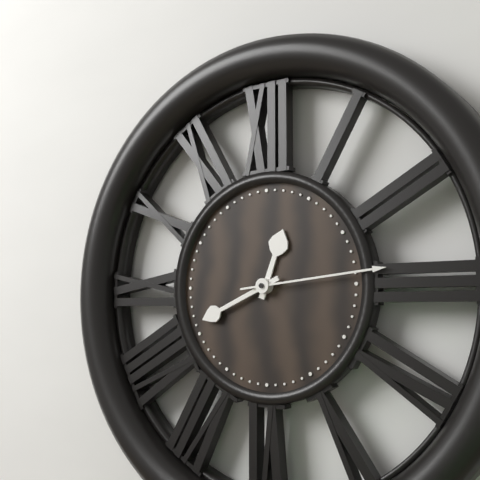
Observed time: 12.41.14
